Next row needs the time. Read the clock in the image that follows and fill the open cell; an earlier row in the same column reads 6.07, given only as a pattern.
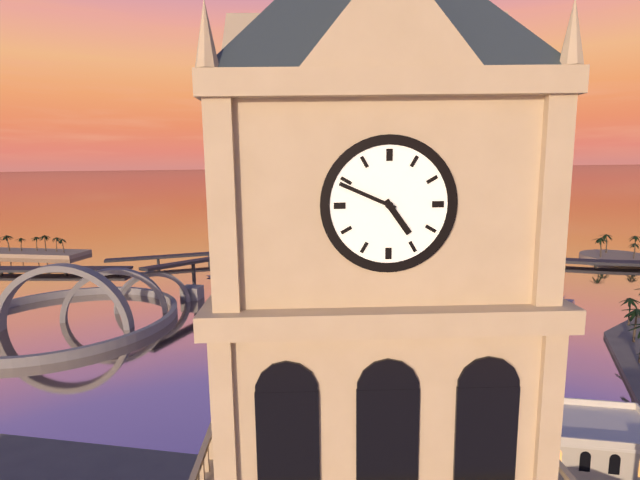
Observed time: 4.49
